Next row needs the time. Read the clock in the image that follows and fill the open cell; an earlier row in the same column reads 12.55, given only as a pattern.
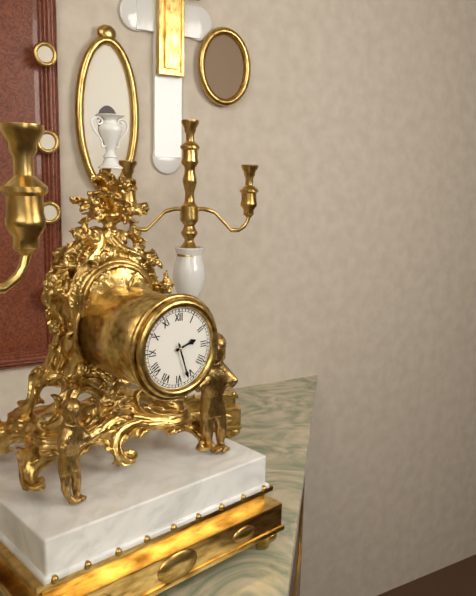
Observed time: 2.27
